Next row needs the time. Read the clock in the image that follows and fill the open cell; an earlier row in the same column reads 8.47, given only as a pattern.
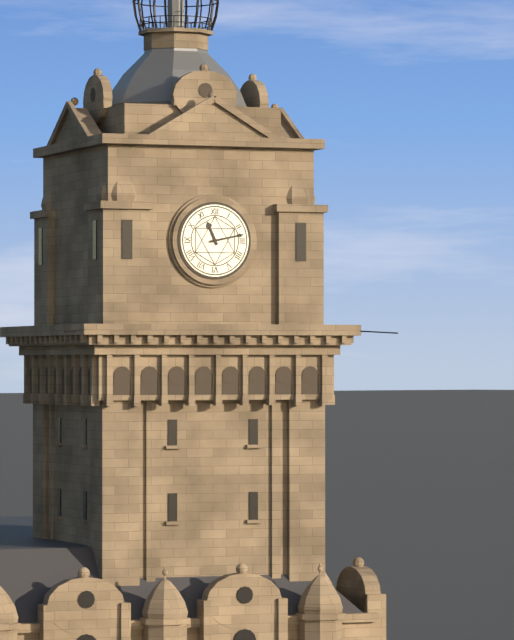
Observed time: 11.13
